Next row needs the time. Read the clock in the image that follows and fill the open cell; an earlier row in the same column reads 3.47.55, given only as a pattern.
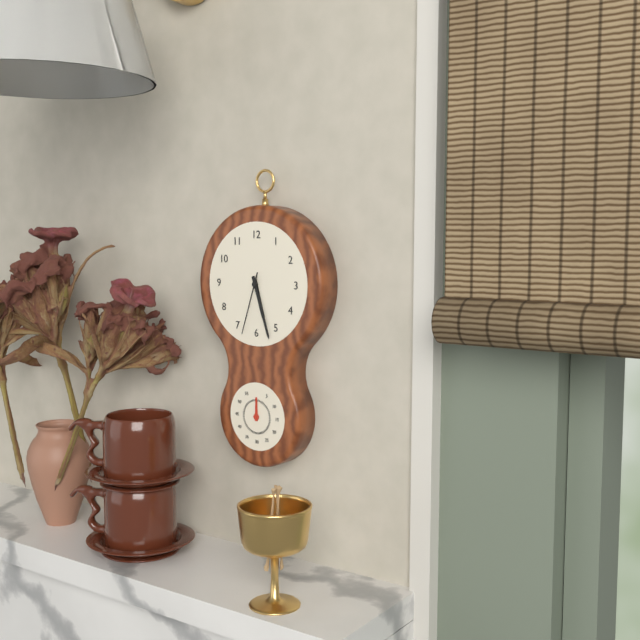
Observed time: 5.27.33
